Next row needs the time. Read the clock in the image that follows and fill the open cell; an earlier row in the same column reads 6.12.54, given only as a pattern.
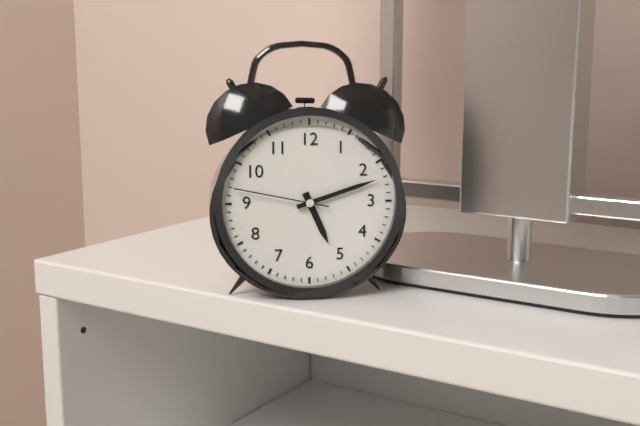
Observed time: 5.12.47
